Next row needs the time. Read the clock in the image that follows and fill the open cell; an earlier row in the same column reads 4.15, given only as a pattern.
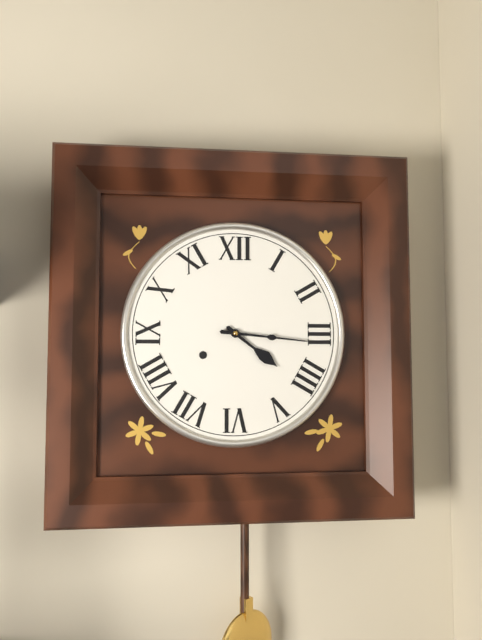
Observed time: 4.16
